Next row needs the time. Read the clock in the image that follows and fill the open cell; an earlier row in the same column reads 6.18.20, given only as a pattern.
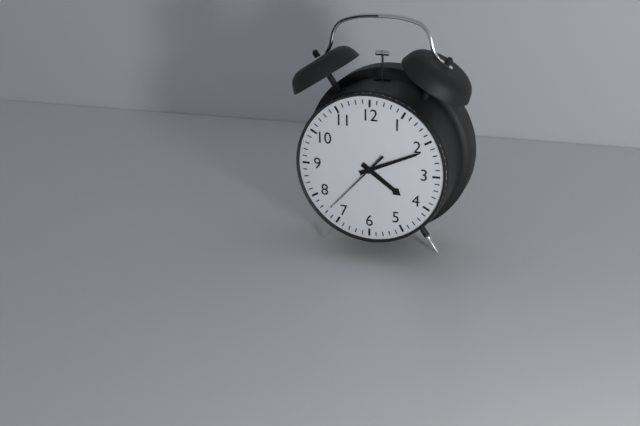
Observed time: 4.11.37
